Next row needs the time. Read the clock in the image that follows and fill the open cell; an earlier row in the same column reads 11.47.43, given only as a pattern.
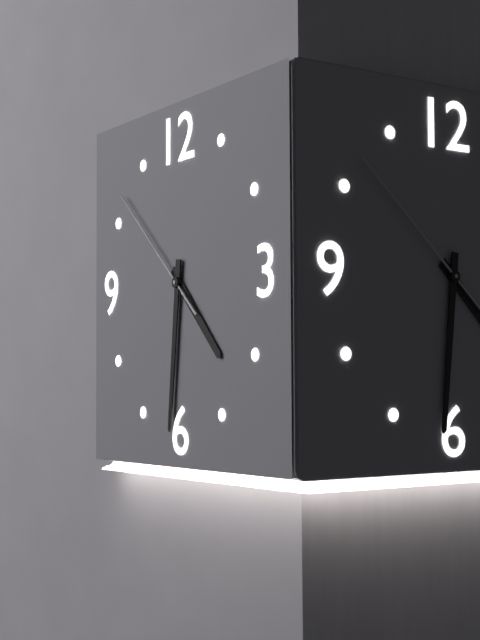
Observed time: 4.31.52
